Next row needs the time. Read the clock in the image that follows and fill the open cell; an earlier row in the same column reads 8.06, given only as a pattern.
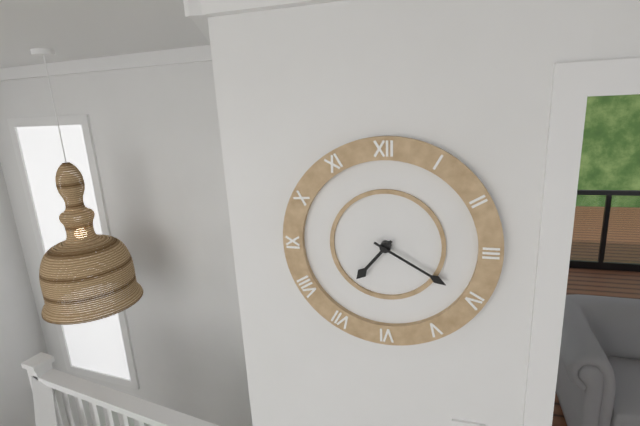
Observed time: 7.20
